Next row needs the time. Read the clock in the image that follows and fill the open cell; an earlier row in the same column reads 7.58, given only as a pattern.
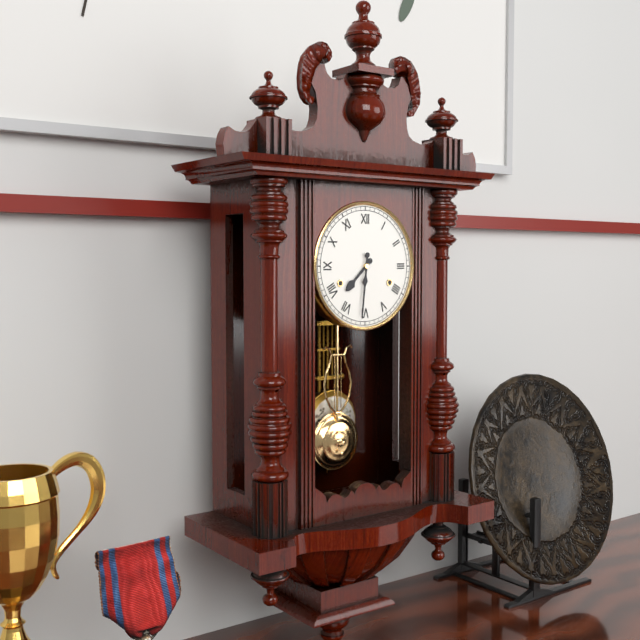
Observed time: 7.31
